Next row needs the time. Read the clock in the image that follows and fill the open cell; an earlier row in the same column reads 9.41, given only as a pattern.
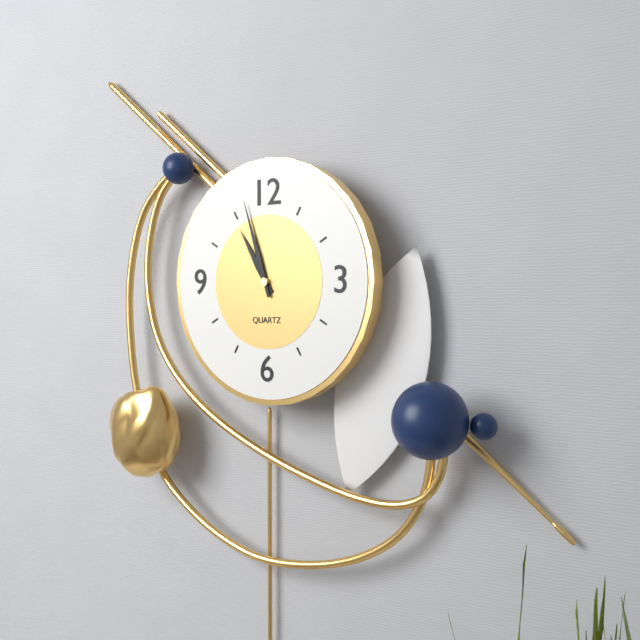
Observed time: 10.57
